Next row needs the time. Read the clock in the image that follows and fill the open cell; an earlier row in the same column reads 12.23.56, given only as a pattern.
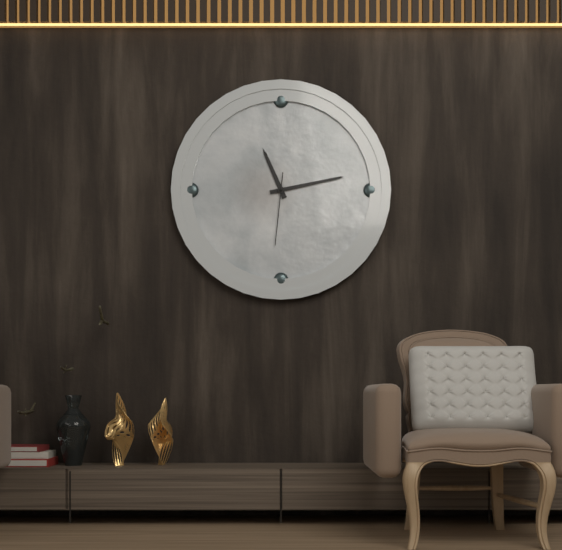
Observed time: 11.13.31
